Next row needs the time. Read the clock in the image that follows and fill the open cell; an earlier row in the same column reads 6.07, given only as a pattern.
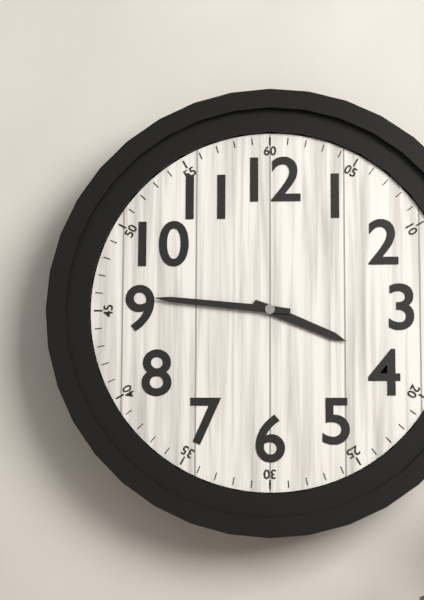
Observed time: 3.46
